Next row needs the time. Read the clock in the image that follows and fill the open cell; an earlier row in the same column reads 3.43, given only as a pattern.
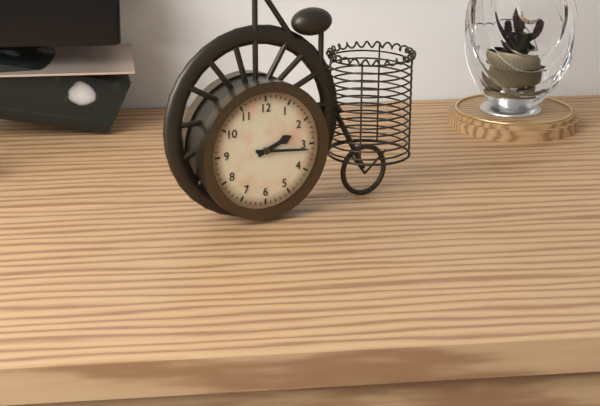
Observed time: 2.16
